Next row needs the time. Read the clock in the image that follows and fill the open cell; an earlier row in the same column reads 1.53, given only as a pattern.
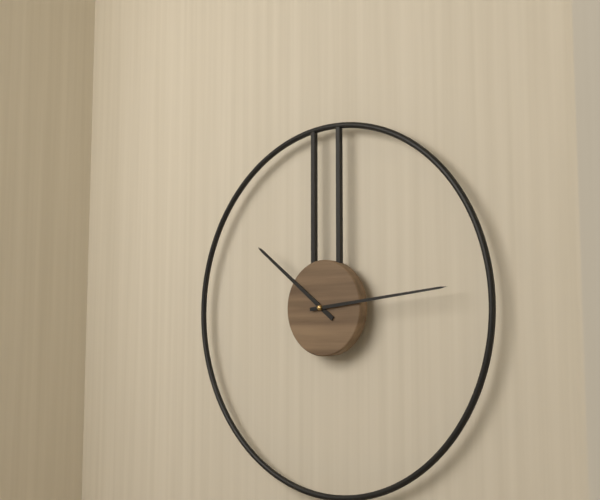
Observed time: 10.14
